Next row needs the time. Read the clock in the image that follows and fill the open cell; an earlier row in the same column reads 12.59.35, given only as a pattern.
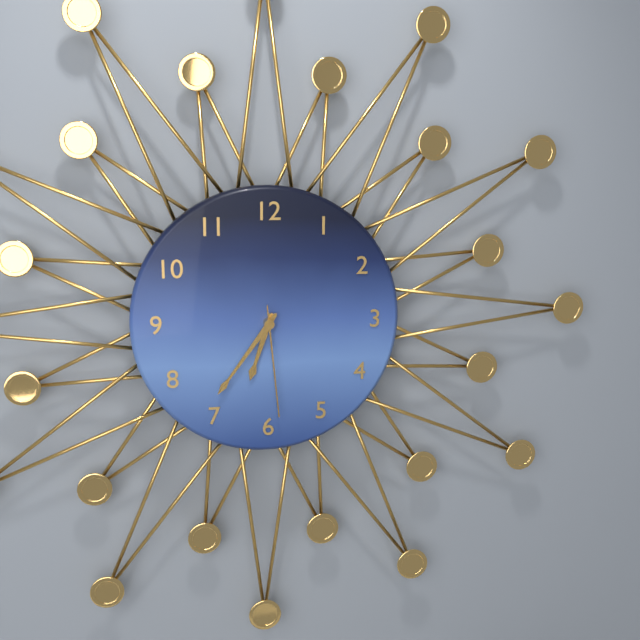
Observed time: 6.36.29
